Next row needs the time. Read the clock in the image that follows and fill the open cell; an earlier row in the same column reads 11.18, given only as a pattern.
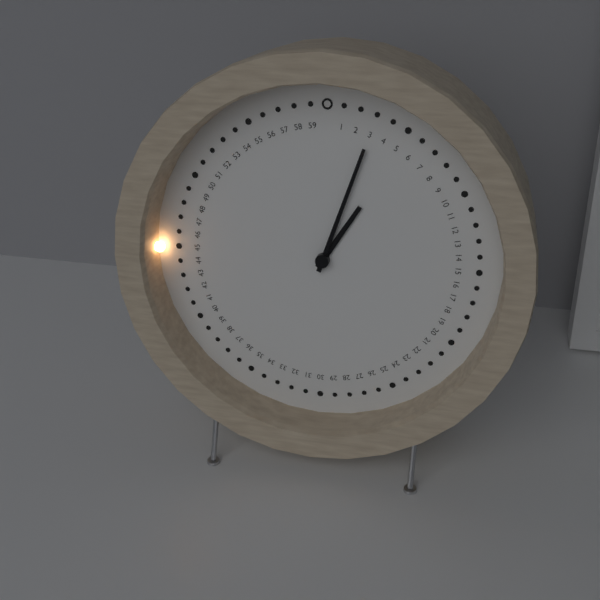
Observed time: 1.03
